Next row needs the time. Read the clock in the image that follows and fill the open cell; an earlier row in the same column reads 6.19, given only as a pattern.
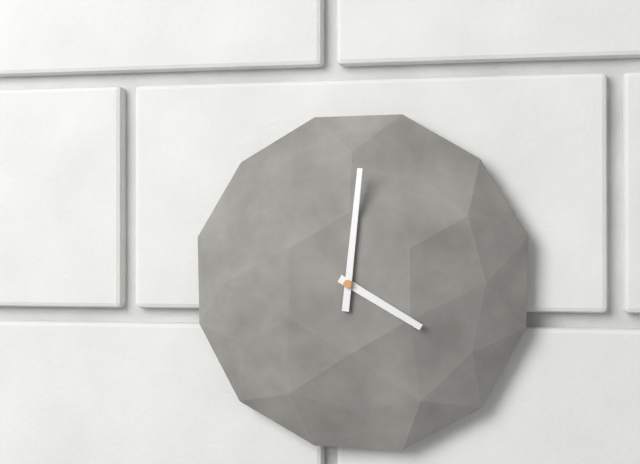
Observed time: 4.01
